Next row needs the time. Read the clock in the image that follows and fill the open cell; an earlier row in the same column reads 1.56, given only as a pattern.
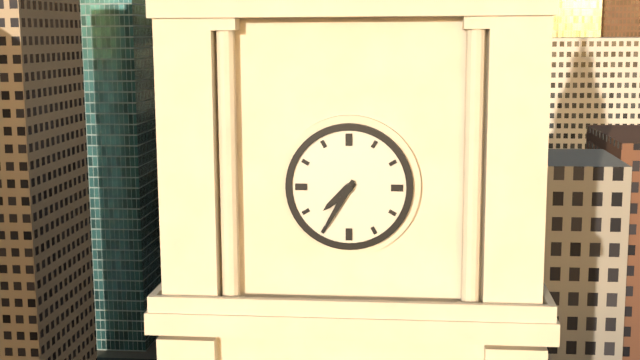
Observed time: 7.35
